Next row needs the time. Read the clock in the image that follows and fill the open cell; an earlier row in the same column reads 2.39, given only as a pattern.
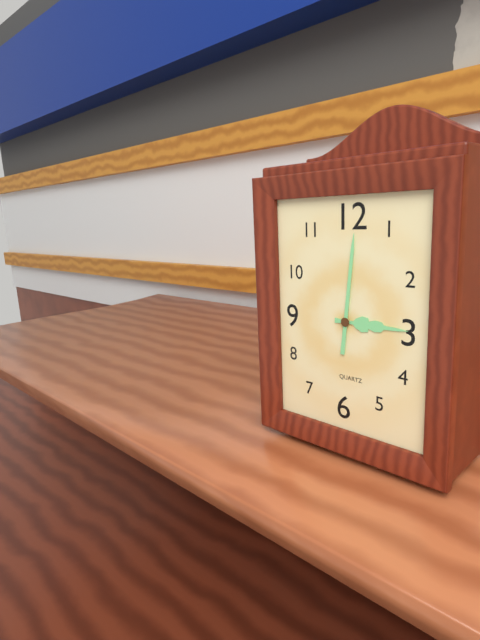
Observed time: 3.01
